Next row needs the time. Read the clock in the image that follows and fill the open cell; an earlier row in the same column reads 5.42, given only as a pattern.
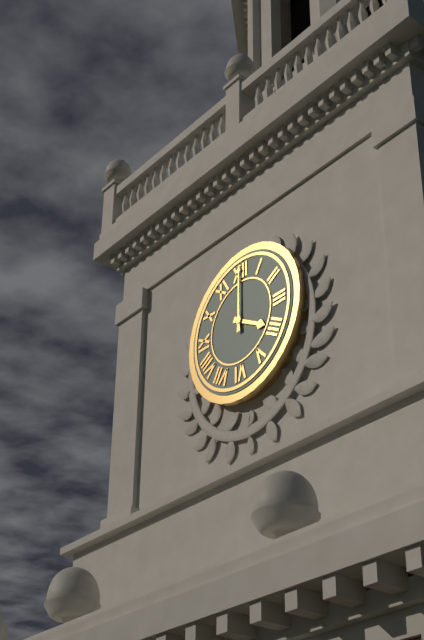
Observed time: 4.00
